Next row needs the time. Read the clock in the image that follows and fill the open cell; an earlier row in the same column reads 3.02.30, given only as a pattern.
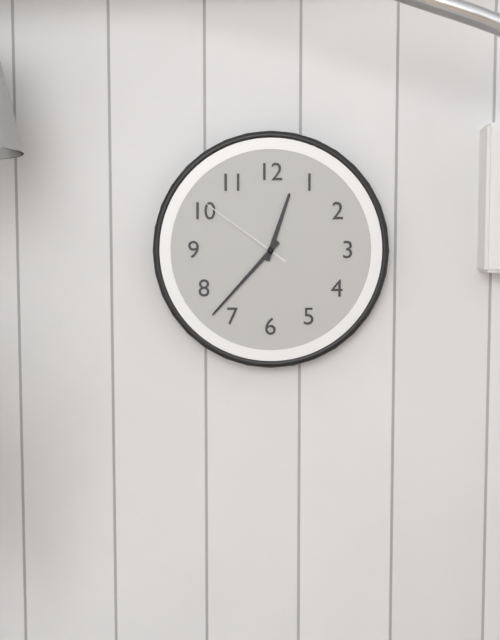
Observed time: 12.37.51
